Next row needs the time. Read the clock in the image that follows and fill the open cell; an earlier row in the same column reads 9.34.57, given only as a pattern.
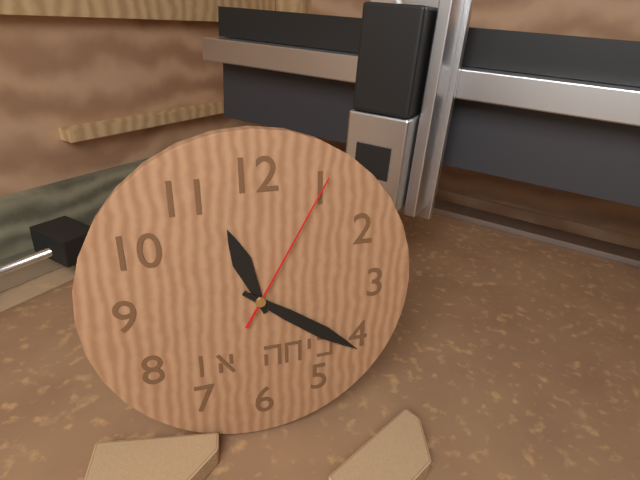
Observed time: 11.21.05
